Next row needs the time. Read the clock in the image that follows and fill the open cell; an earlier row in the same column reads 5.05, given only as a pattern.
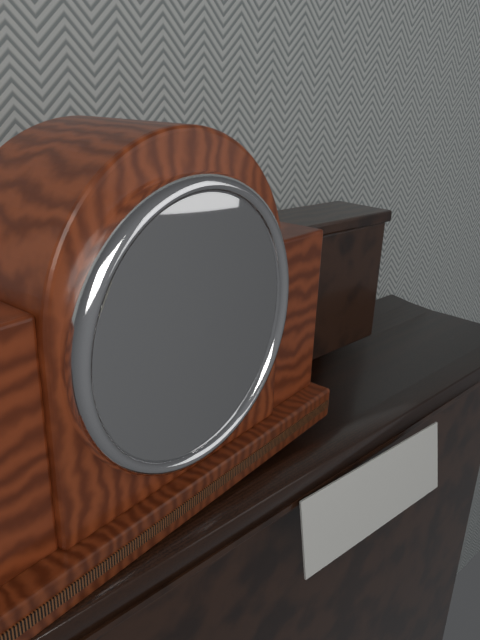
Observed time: 11.47
